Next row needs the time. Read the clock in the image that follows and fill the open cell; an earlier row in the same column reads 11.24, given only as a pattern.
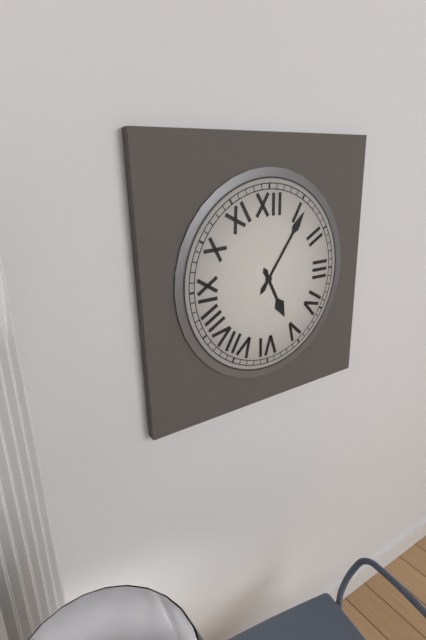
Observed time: 5.06
